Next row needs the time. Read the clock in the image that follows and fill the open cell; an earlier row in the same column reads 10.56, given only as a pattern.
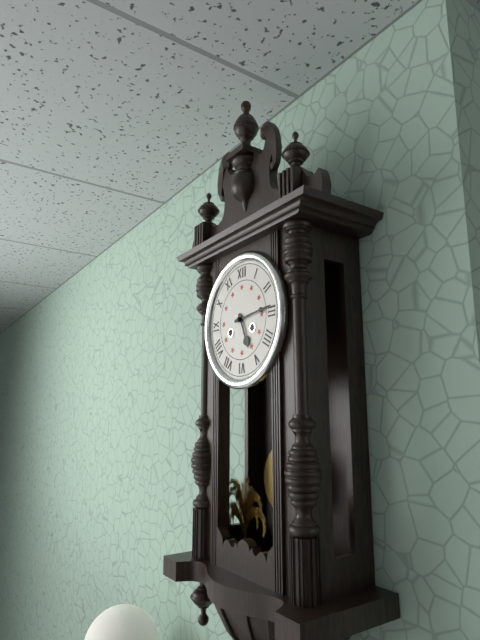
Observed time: 5.14
